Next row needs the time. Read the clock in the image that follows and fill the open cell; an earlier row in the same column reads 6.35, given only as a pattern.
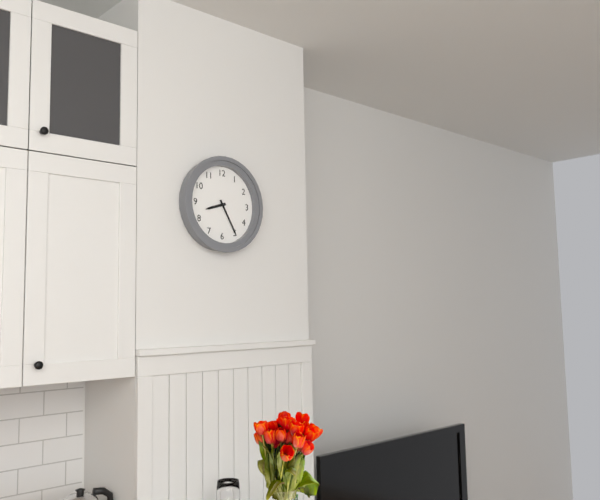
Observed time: 8.25
